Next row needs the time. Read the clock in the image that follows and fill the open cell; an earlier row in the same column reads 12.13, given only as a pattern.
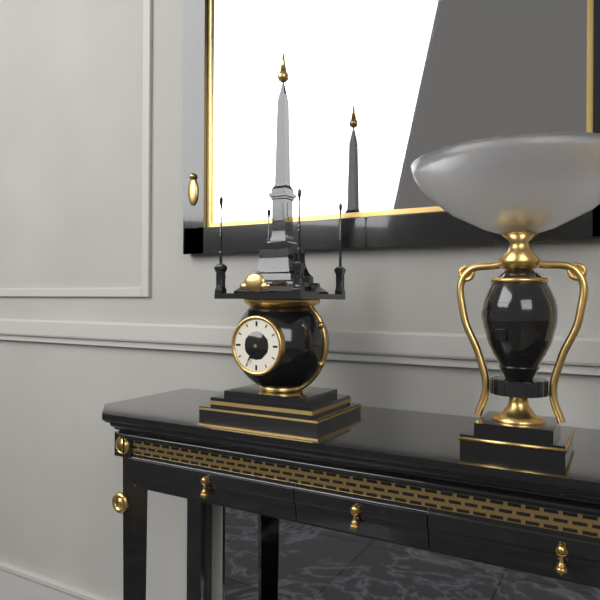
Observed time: 8.35
